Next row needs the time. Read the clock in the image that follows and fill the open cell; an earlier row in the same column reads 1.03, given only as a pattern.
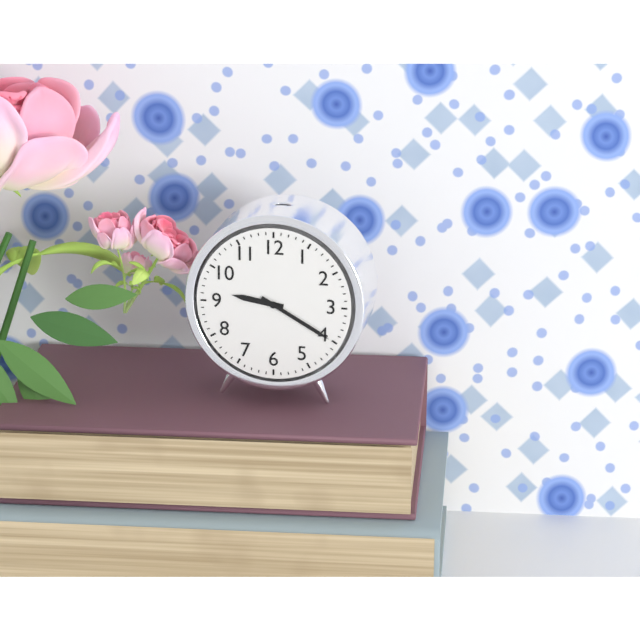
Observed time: 9.20
